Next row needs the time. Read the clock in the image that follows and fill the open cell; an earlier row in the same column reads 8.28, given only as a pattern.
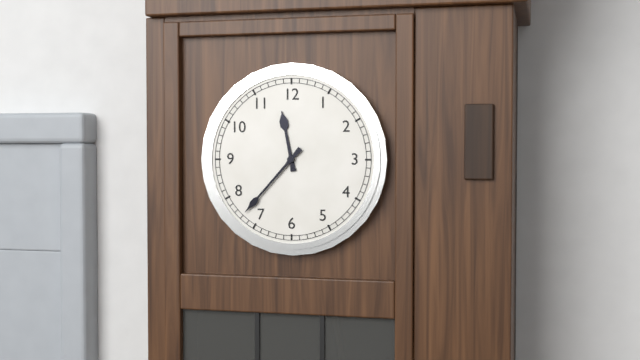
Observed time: 11.37
